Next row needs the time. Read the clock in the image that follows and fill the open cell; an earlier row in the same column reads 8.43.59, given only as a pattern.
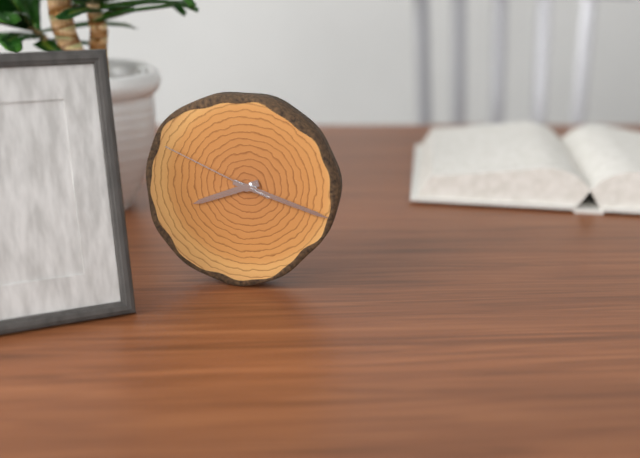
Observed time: 8.18.49
